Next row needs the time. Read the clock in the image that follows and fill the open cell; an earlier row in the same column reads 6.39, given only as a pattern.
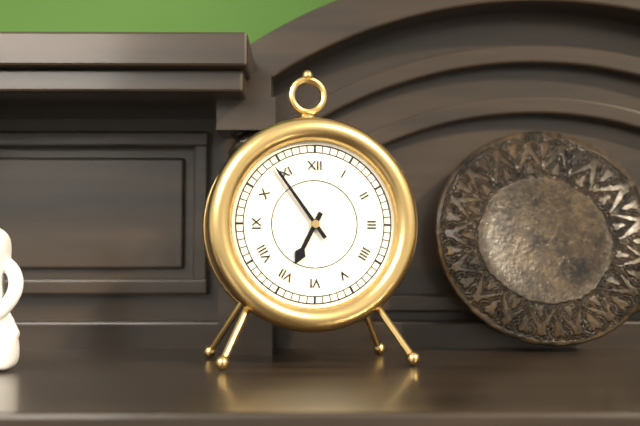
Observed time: 6.54
